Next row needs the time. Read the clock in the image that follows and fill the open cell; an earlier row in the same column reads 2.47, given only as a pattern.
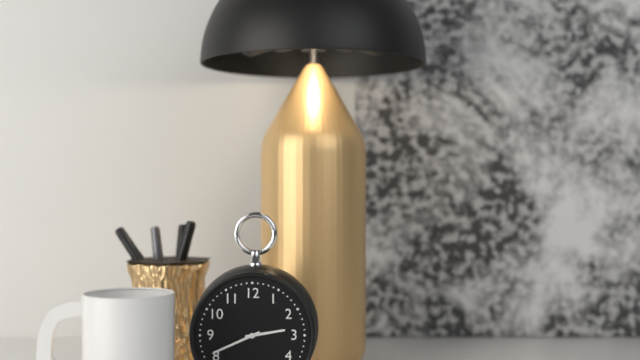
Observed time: 2.41
